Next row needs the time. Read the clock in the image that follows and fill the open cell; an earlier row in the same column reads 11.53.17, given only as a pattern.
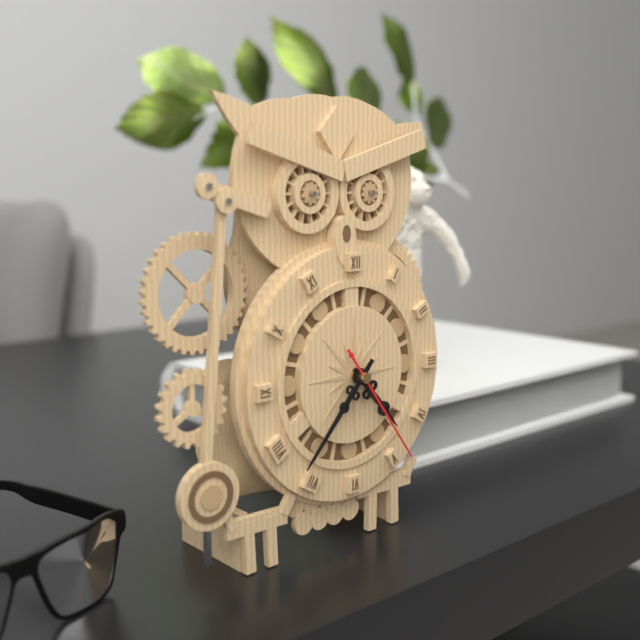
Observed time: 4.37.24
